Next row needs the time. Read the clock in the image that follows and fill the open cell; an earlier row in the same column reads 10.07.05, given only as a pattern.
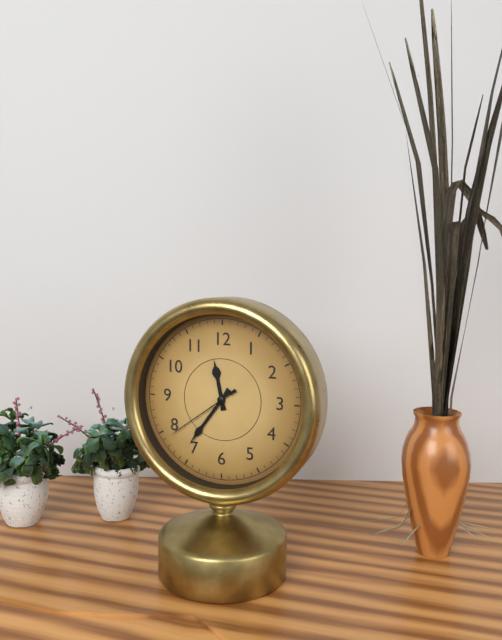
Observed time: 11.36.39
